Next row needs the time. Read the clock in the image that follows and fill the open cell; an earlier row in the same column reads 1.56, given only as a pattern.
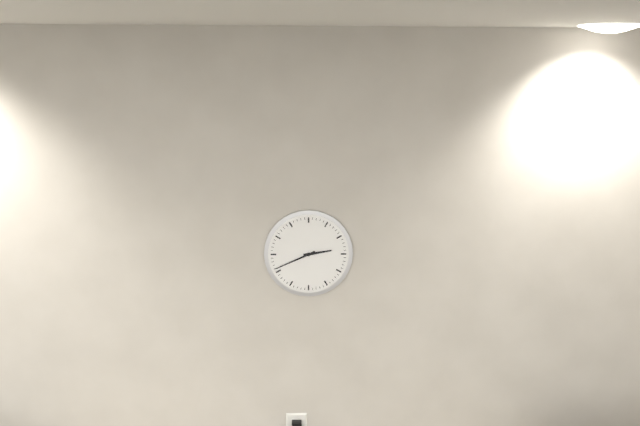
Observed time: 2.41
